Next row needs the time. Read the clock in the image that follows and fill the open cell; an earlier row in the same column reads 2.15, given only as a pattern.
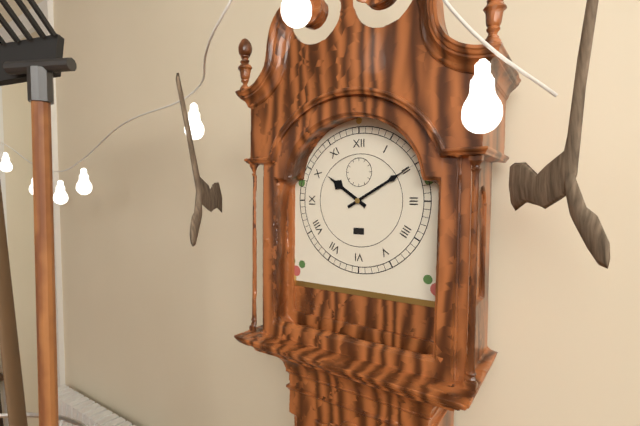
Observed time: 10.10
